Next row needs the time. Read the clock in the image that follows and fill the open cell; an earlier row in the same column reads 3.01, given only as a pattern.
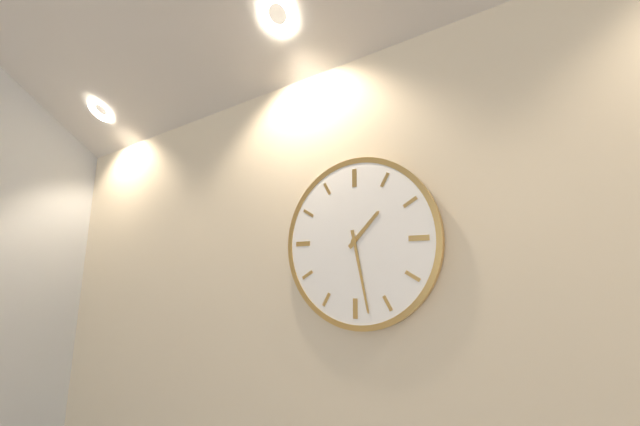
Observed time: 1.28
